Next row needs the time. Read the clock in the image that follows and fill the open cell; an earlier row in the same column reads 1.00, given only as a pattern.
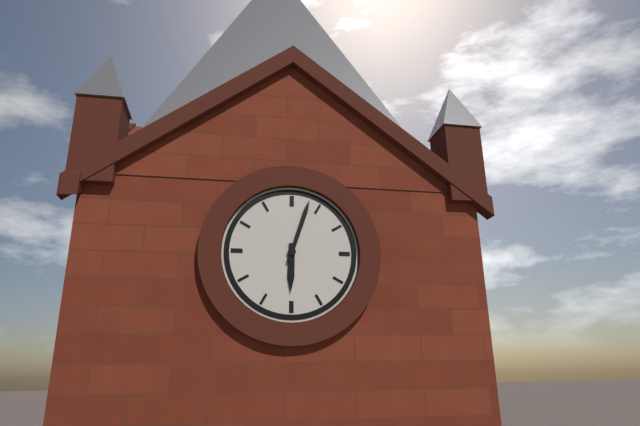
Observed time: 6.03
